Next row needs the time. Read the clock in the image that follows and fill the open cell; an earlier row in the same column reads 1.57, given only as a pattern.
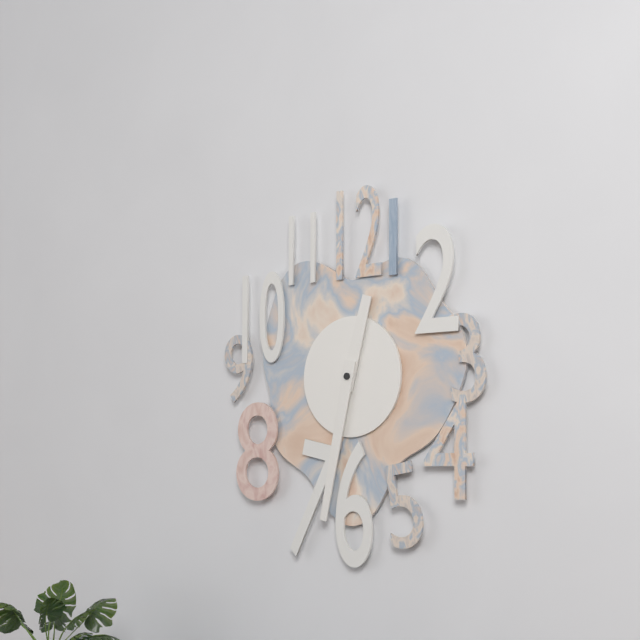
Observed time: 12.32
